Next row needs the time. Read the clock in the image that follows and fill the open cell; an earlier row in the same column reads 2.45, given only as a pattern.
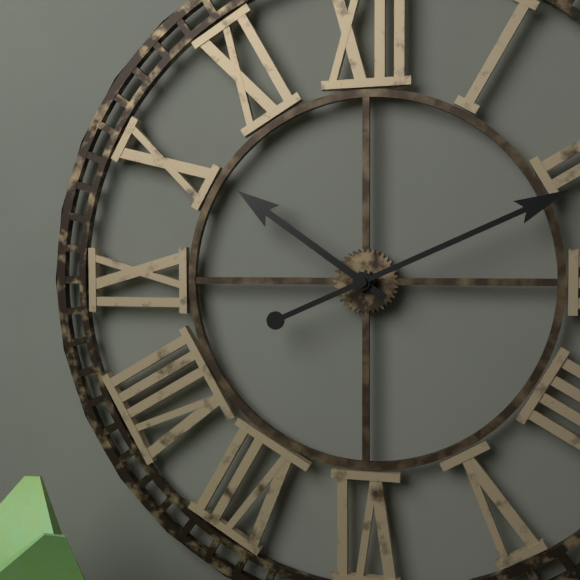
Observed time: 10.11
